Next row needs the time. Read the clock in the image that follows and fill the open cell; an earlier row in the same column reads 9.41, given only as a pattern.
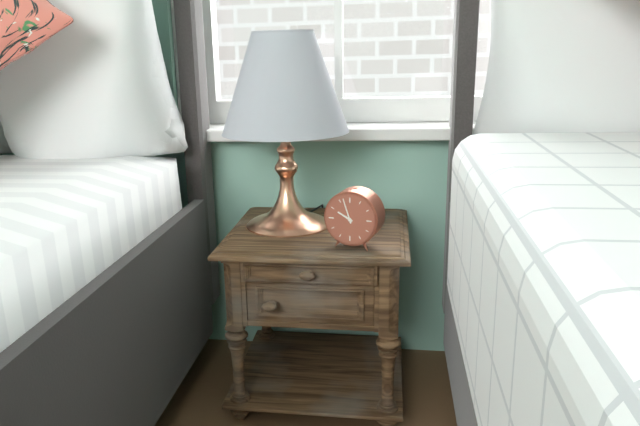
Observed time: 9.57
